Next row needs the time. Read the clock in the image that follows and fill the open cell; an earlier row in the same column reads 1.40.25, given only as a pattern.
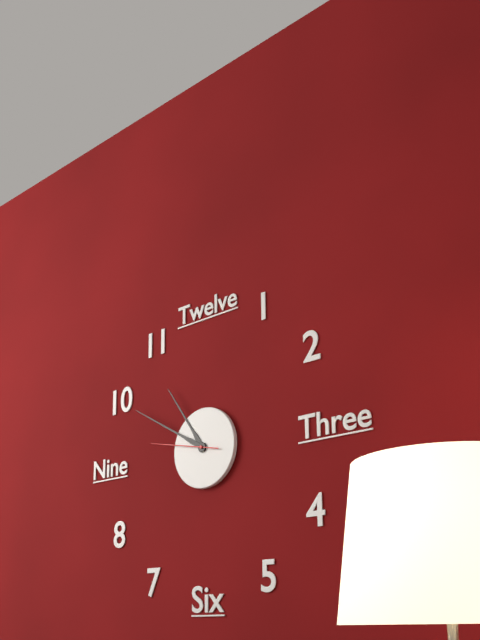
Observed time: 10.50.47
